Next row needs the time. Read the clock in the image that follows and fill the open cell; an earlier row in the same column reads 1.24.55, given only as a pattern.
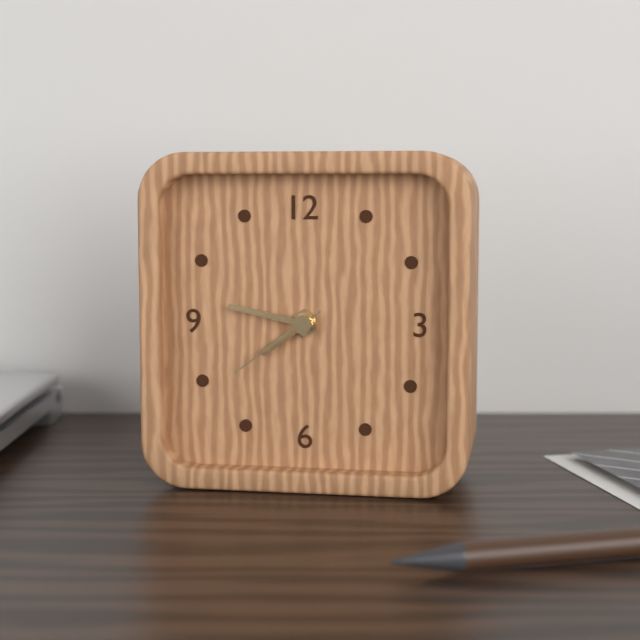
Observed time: 7.47.39
